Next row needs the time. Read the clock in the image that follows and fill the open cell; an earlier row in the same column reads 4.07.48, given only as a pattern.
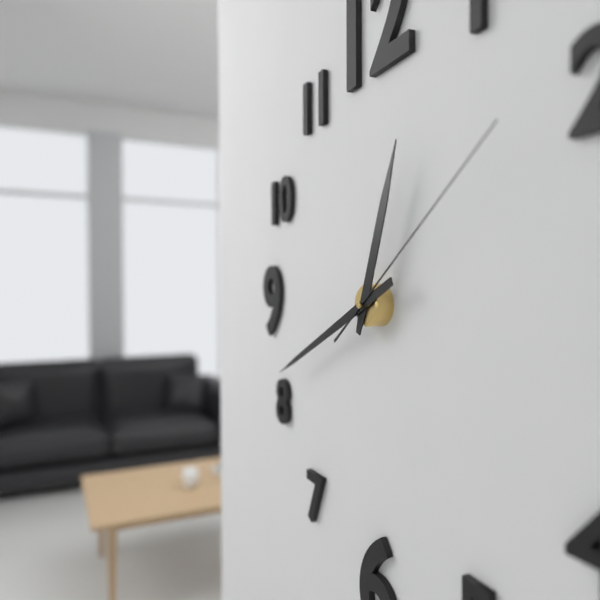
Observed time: 12.41.09
